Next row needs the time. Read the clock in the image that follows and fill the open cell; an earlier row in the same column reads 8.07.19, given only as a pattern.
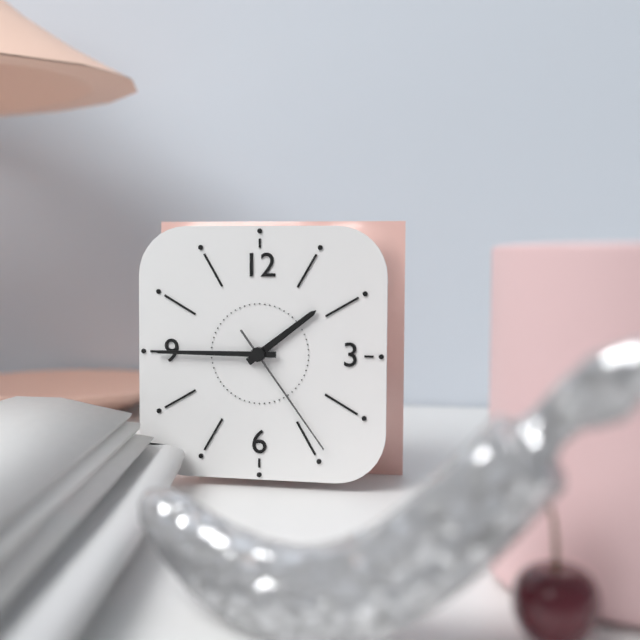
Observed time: 1.45.24
